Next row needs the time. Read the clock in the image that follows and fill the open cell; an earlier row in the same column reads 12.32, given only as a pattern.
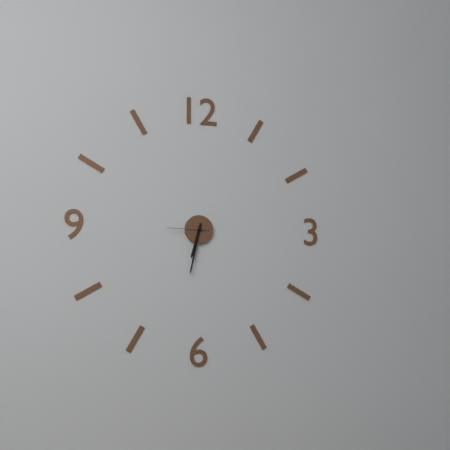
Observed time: 6.32
